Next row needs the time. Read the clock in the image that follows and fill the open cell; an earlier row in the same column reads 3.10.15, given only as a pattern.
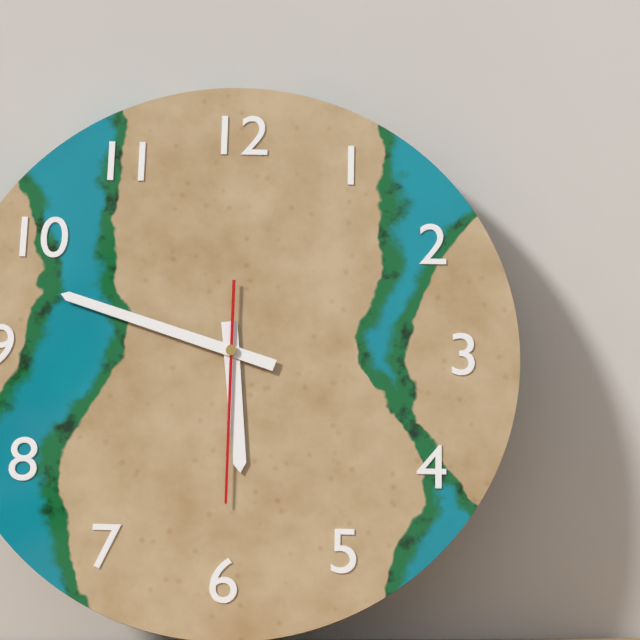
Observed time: 5.48.30
